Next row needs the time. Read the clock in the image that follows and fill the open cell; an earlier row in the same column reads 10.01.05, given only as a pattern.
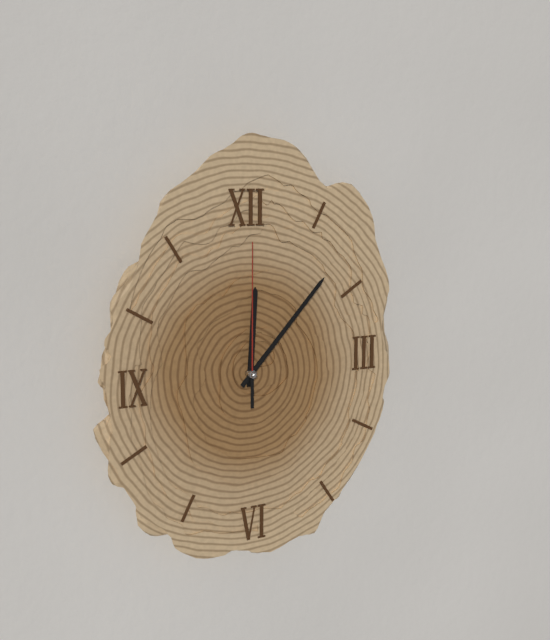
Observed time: 12.07.00
